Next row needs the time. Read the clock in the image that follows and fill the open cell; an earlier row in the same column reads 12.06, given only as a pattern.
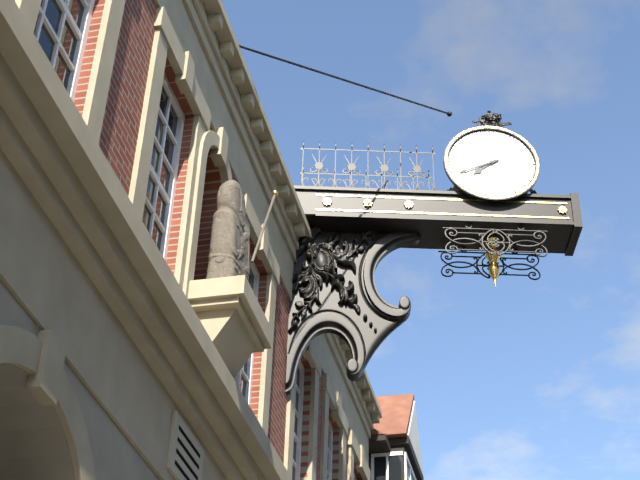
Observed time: 7.41
